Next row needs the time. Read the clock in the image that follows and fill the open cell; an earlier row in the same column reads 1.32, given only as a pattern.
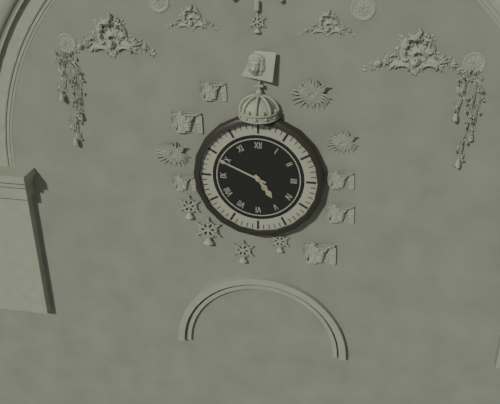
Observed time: 4.49
